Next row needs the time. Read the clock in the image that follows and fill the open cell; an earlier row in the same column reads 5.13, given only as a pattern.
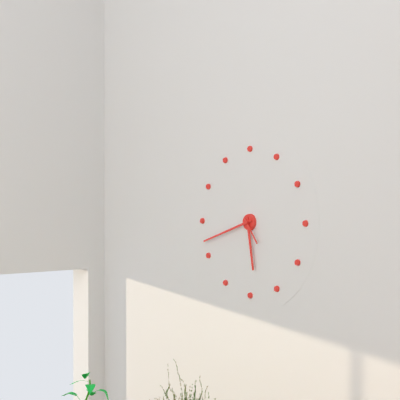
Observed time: 5.42
